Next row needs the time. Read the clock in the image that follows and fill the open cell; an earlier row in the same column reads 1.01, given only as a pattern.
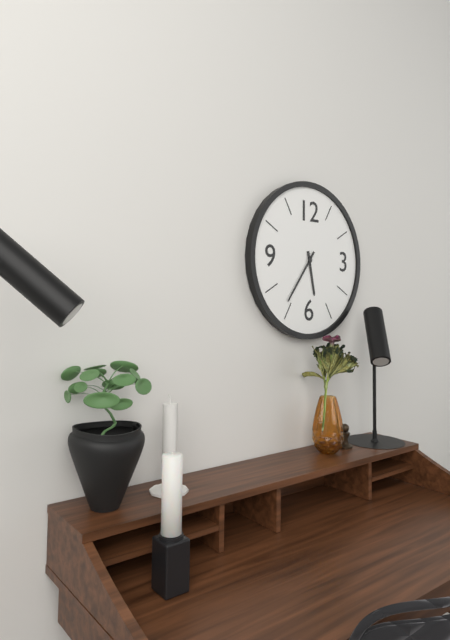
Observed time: 5.36
